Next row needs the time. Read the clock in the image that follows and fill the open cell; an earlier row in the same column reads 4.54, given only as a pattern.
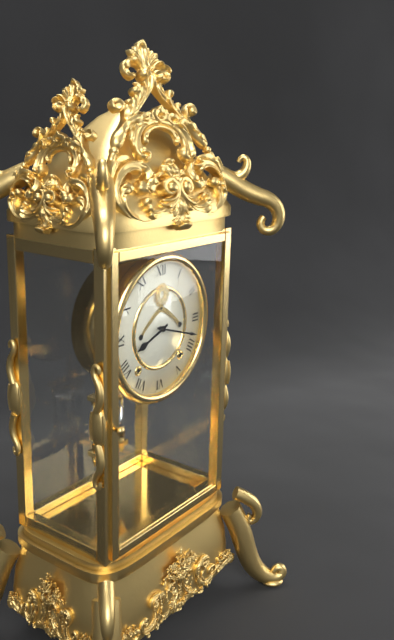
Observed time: 8.18
